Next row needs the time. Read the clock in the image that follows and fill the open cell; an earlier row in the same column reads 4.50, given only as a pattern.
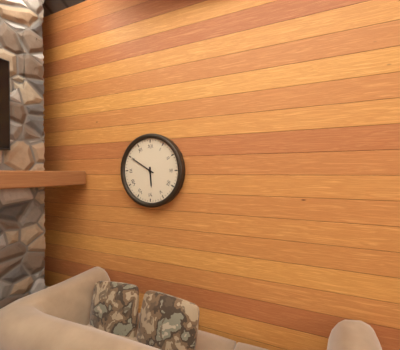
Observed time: 5.50
